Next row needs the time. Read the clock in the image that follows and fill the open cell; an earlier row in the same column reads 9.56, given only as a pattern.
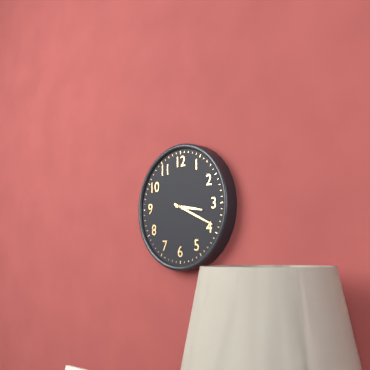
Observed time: 3.19
